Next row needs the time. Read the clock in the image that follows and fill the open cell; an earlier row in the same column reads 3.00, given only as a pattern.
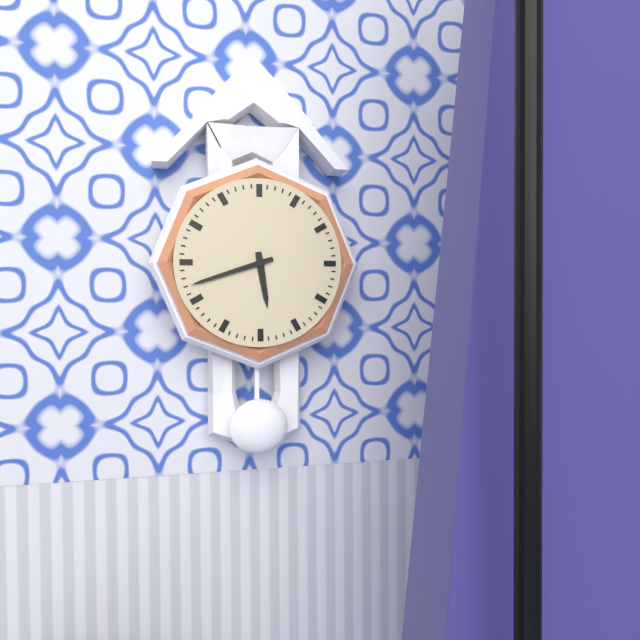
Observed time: 5.42
